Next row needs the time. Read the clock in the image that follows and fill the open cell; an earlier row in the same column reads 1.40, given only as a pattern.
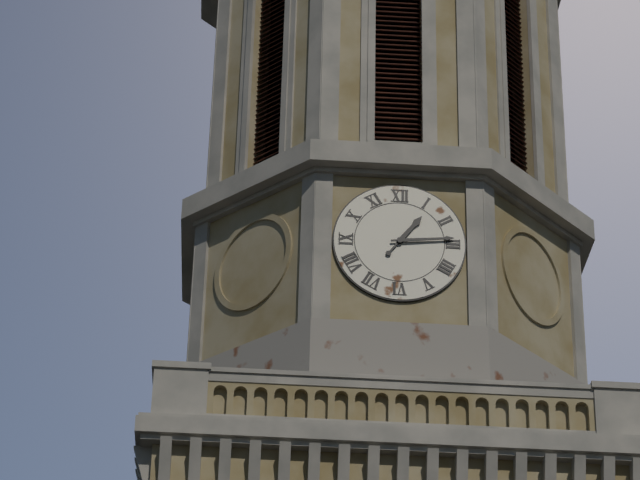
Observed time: 1.14
